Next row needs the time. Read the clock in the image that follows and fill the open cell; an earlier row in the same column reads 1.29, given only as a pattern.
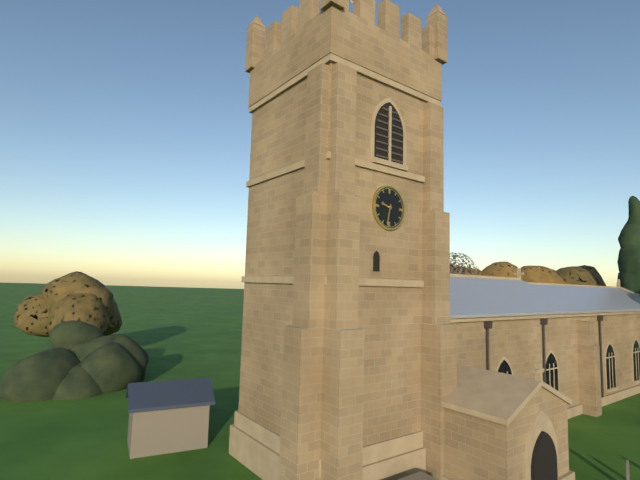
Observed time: 9.32
